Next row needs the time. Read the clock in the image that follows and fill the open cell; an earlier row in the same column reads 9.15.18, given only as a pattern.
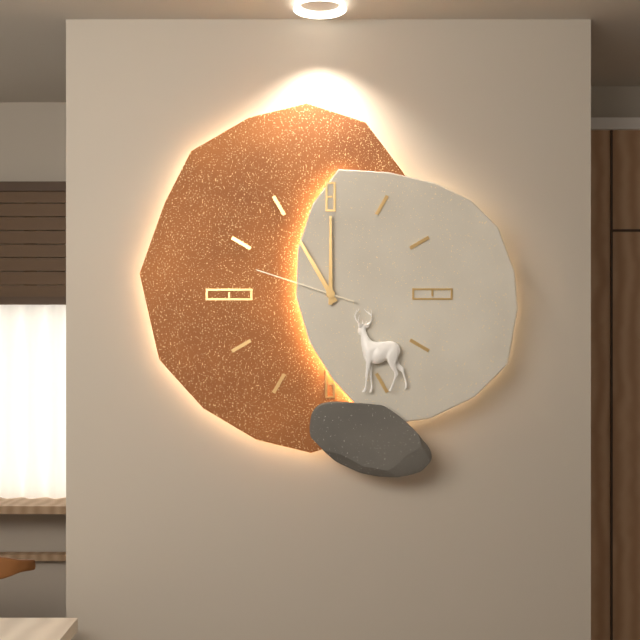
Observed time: 11.00.48
